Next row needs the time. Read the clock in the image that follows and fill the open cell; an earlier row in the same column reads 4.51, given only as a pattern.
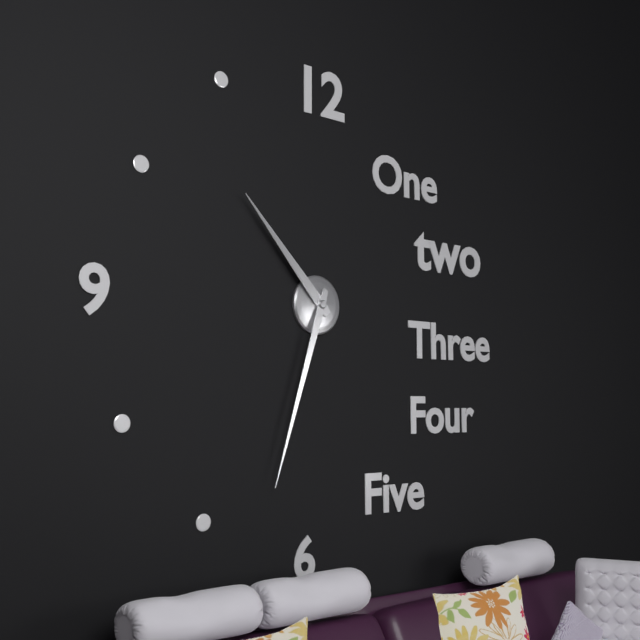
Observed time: 10.33
